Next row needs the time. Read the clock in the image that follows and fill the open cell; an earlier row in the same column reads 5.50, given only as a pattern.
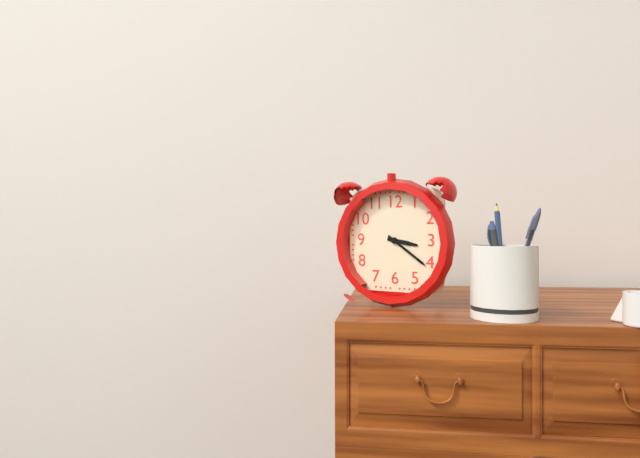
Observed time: 3.21
